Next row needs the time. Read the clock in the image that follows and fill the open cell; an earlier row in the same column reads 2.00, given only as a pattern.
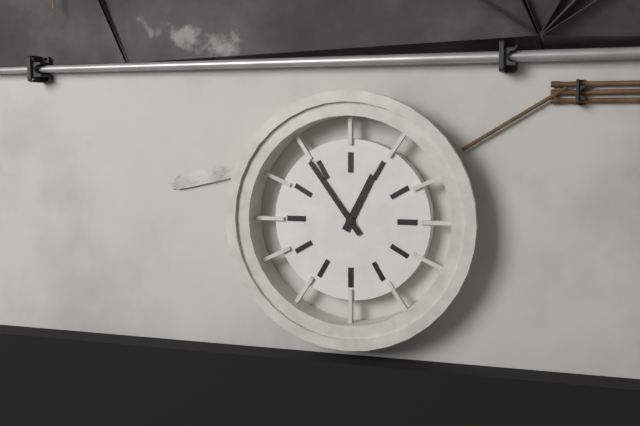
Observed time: 12.54
